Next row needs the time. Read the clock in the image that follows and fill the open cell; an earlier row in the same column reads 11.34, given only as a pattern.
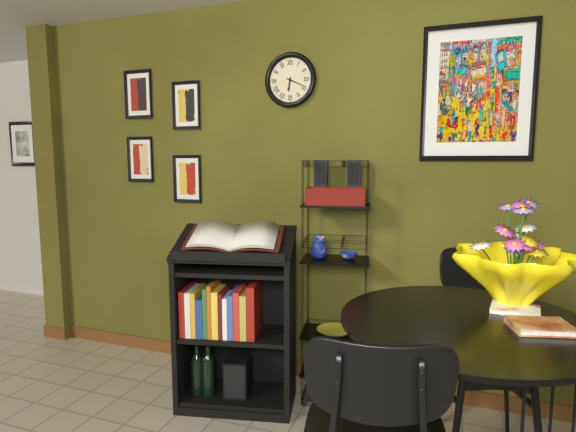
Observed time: 6.19
